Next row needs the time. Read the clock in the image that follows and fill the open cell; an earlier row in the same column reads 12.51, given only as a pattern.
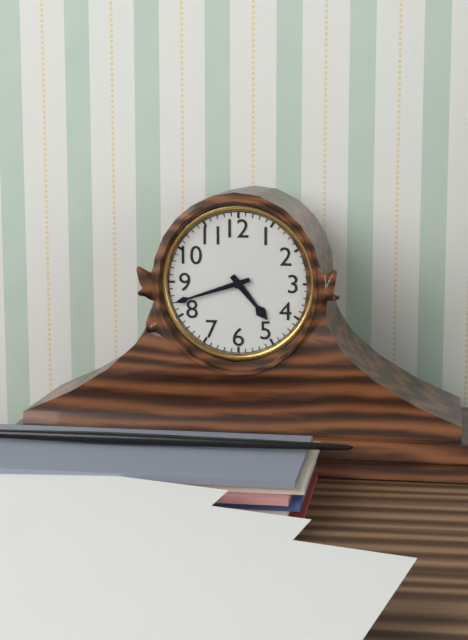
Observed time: 4.42
